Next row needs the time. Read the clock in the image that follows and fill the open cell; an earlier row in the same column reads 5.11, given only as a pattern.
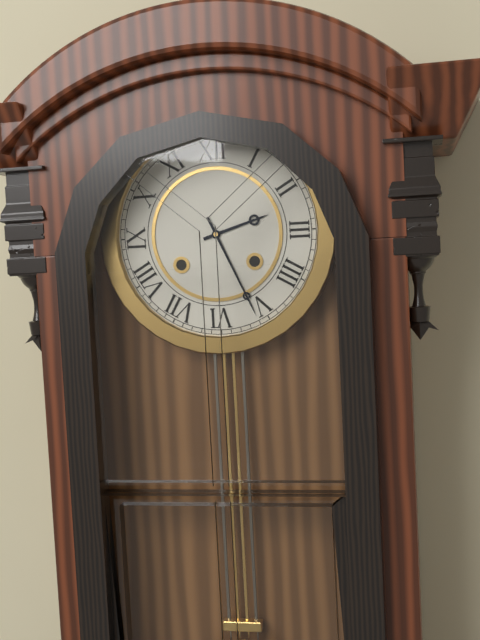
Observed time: 2.26
